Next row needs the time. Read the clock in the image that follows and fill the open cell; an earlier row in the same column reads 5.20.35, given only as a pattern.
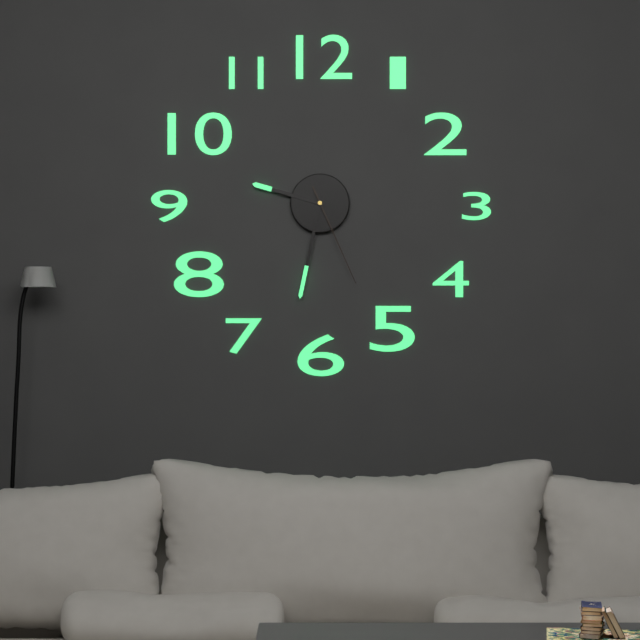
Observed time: 9.32.26
